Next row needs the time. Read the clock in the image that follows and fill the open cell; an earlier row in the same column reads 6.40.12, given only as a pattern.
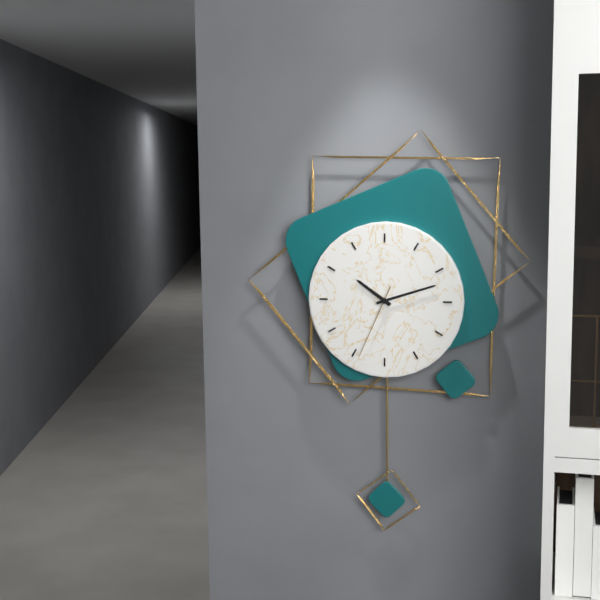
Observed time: 10.12.34
